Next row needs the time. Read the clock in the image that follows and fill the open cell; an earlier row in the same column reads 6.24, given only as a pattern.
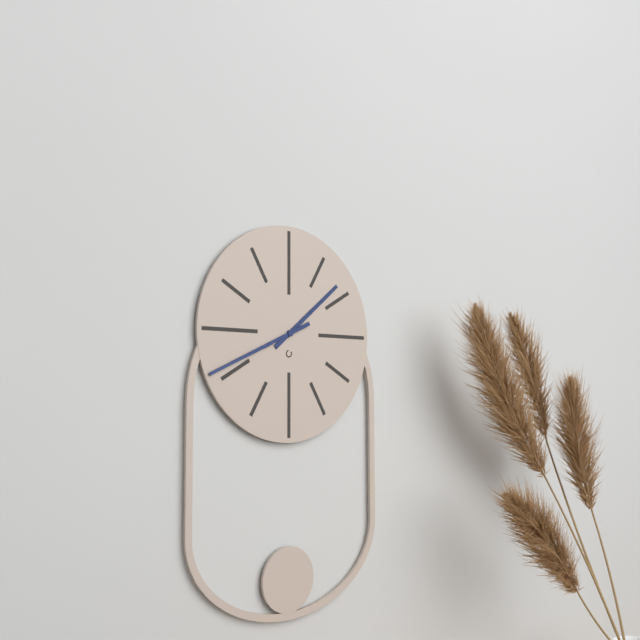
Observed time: 1.41
